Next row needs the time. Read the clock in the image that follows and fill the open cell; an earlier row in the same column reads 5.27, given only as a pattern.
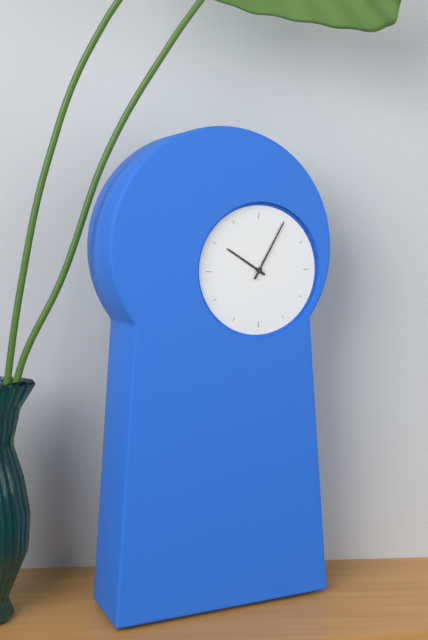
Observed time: 10.05
